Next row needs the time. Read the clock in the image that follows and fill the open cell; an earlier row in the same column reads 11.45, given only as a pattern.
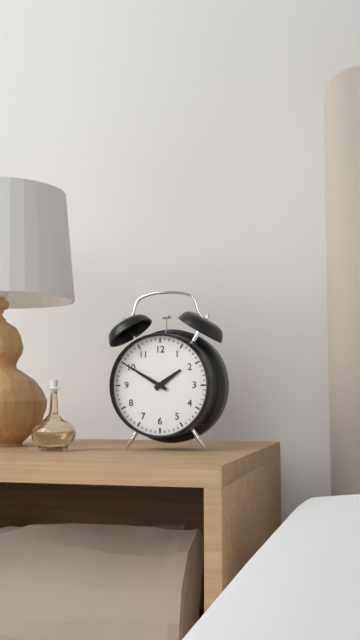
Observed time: 1.50
